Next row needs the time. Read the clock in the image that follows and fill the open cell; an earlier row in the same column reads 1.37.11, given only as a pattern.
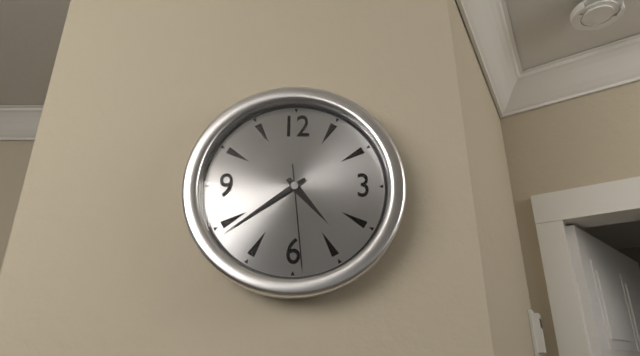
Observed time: 4.39.29
